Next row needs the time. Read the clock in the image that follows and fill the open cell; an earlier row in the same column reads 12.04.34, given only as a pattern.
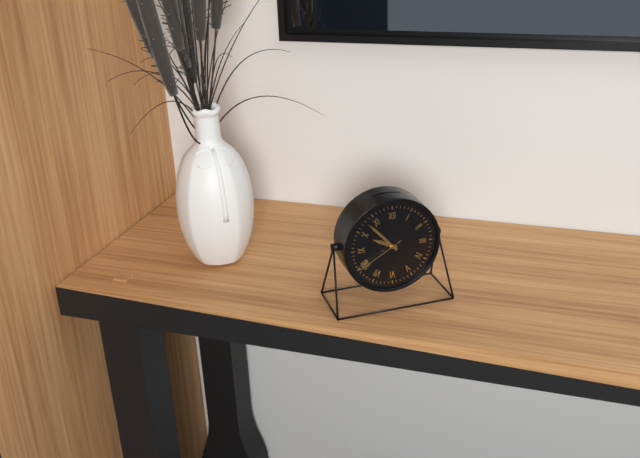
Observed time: 9.53.40
